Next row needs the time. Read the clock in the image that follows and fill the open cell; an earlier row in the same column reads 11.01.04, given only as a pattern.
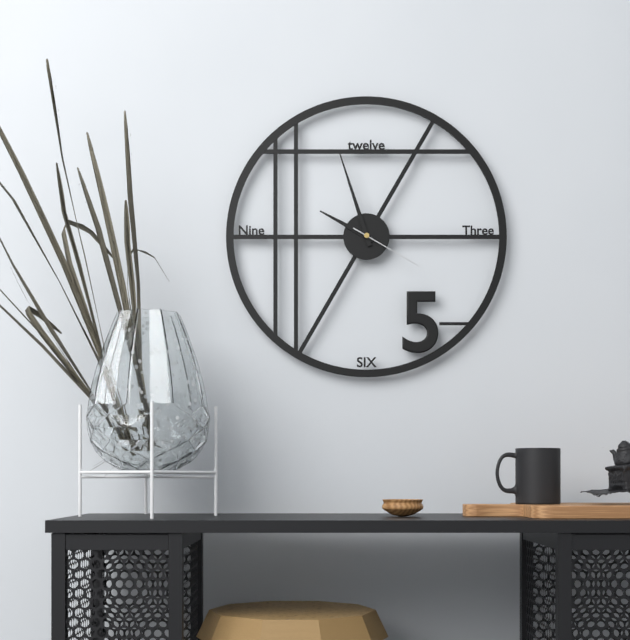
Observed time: 9.57.20
